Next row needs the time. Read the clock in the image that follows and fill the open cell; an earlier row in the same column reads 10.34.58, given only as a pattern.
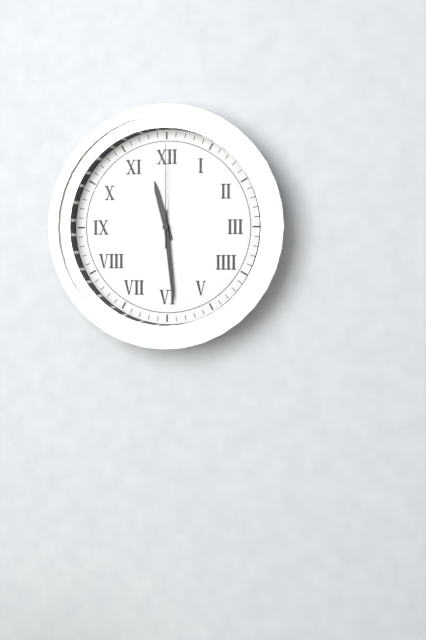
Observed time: 11.29.00
